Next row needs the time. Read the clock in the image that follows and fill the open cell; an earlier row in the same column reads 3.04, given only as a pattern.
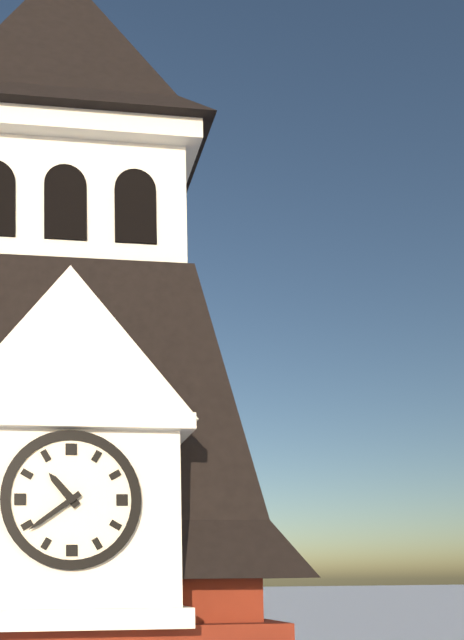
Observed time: 10.39
